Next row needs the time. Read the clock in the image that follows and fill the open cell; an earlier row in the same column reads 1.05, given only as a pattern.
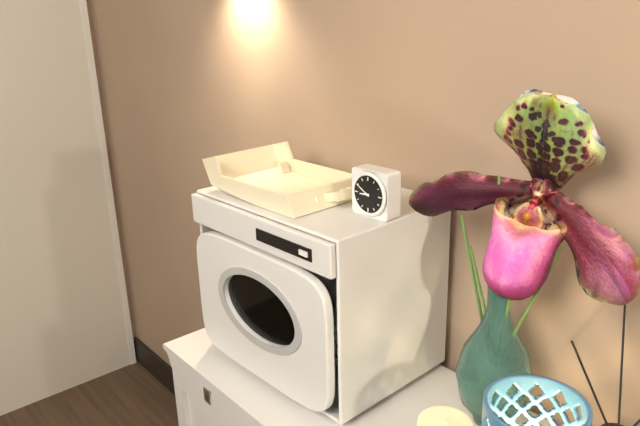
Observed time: 8.50
